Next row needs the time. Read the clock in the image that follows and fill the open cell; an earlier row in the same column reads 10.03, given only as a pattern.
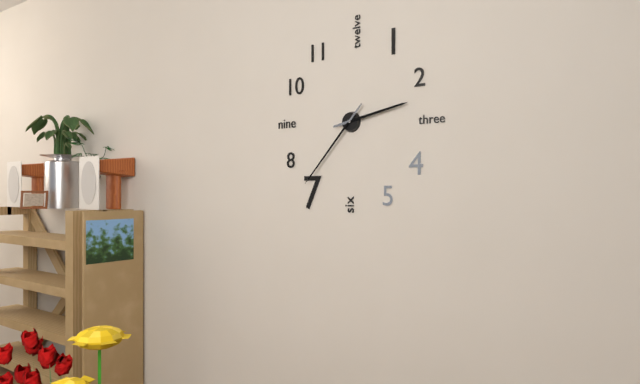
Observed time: 2.37
